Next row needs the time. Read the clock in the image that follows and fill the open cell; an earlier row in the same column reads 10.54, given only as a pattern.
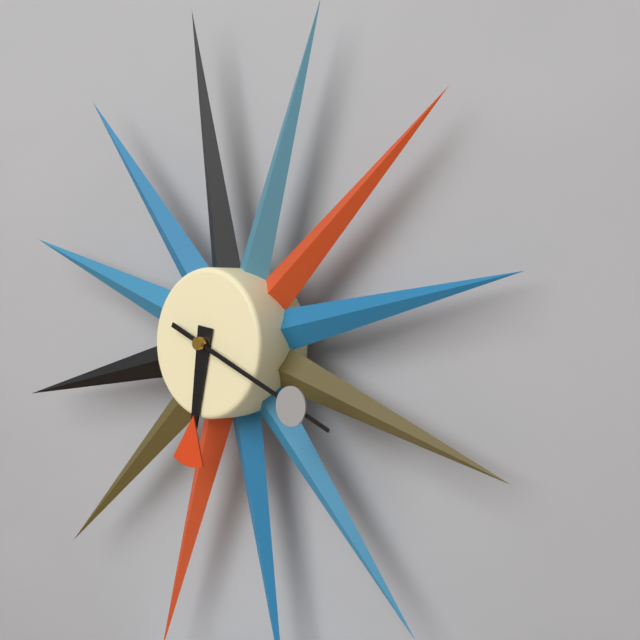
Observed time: 6.19
